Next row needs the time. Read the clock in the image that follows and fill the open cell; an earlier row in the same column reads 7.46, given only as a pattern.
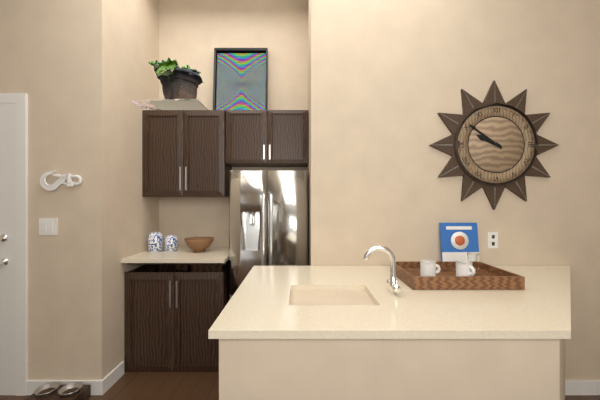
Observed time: 9.51
